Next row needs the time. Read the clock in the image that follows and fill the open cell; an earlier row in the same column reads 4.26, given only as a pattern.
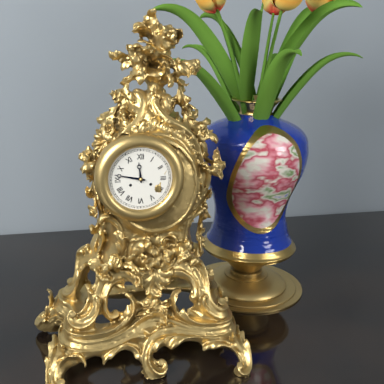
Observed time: 11.47
